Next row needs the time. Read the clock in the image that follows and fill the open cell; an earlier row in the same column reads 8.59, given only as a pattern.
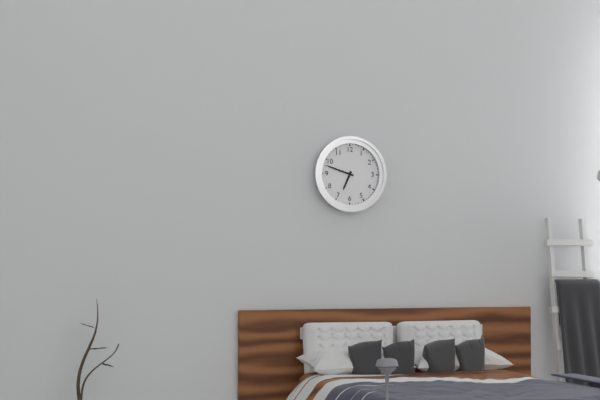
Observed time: 6.48
